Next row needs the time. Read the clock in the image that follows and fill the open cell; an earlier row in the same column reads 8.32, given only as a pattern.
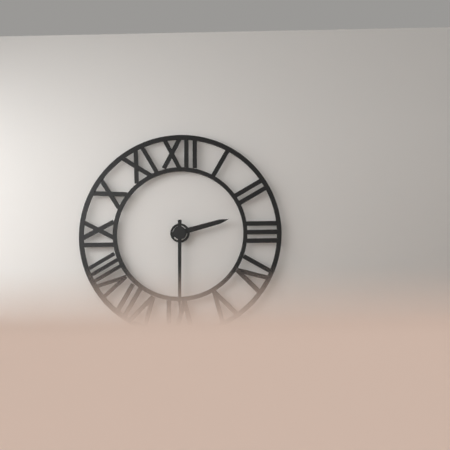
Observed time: 2.30
